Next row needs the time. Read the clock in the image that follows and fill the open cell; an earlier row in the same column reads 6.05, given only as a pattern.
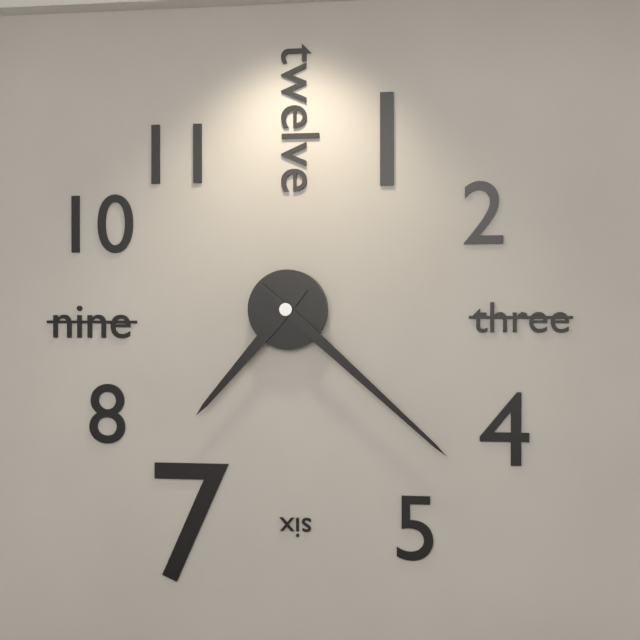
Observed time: 7.22
